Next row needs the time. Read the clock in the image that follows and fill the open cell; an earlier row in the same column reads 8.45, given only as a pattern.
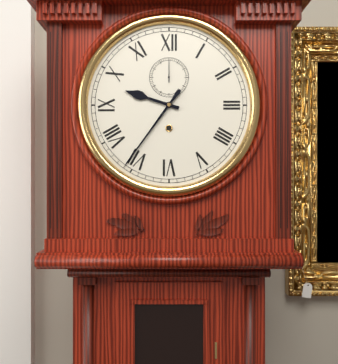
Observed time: 9.36
